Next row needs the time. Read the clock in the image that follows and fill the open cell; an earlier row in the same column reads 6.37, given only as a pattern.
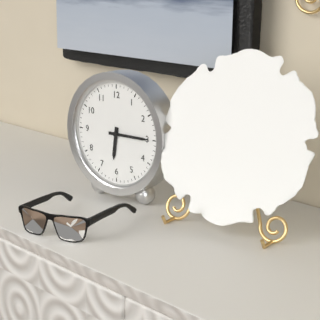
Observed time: 6.15
